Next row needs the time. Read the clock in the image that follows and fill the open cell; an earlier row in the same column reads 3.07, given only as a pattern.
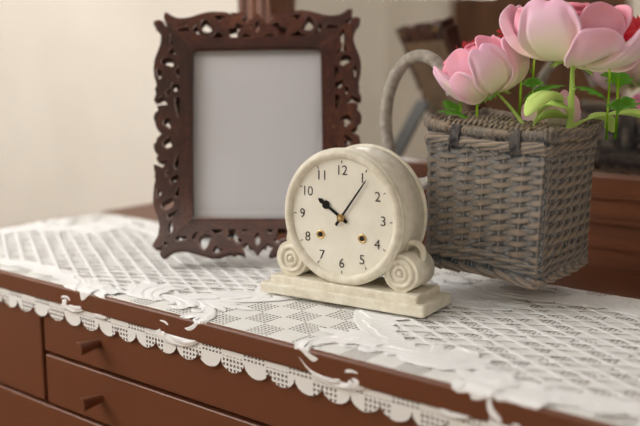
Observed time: 10.06
